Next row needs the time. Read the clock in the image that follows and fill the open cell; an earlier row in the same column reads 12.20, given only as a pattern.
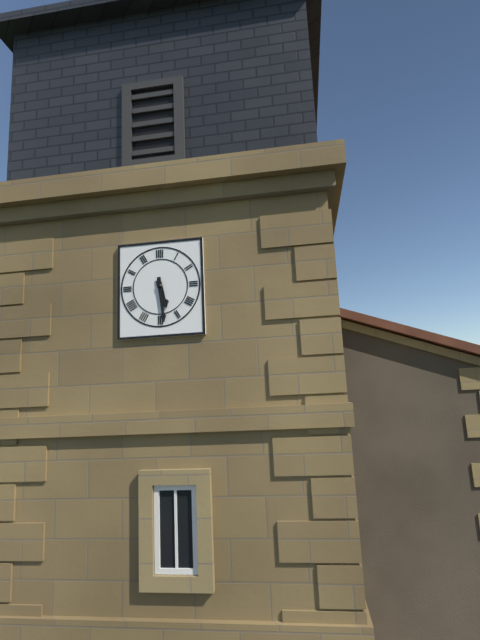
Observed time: 5.29
